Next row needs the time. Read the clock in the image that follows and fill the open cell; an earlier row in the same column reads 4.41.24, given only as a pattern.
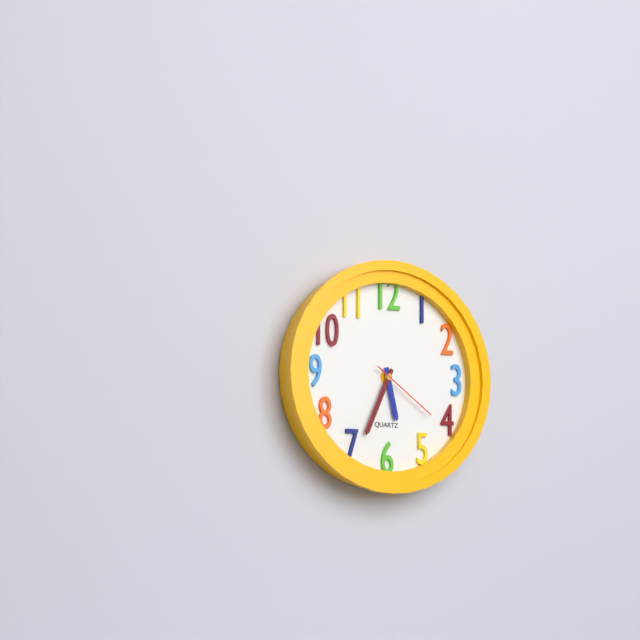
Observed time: 5.34.21
